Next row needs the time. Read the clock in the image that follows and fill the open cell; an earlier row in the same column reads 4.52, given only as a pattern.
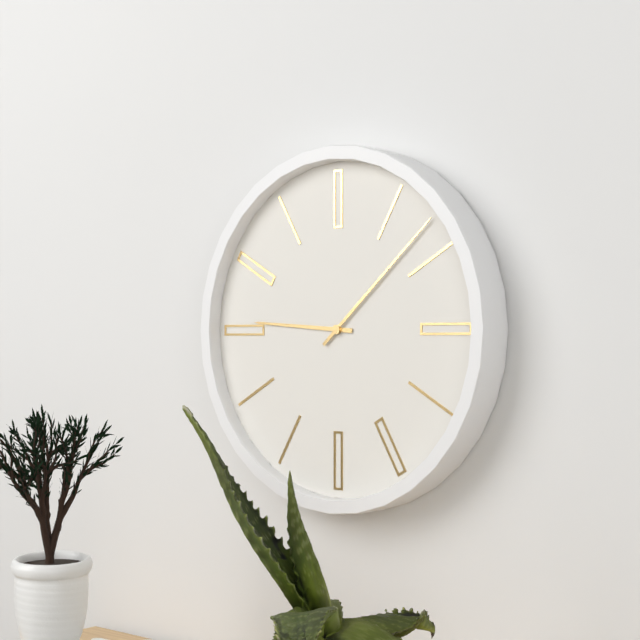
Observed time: 9.08
